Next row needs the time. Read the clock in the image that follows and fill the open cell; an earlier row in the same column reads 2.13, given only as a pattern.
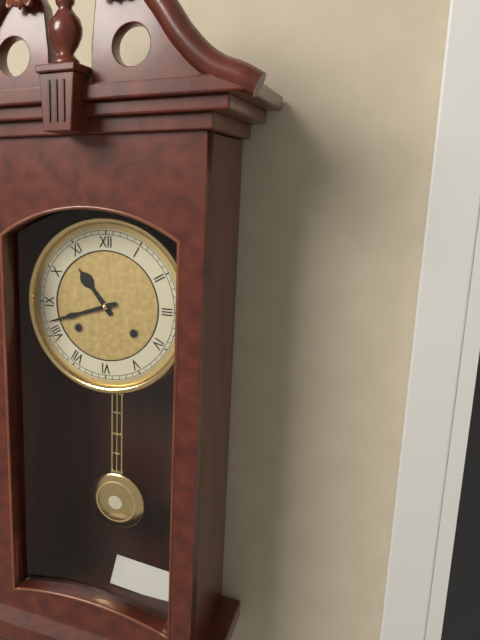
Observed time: 10.42
